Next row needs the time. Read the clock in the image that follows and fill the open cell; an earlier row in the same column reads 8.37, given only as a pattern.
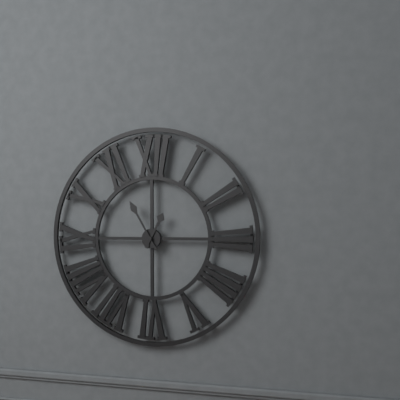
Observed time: 12.55
